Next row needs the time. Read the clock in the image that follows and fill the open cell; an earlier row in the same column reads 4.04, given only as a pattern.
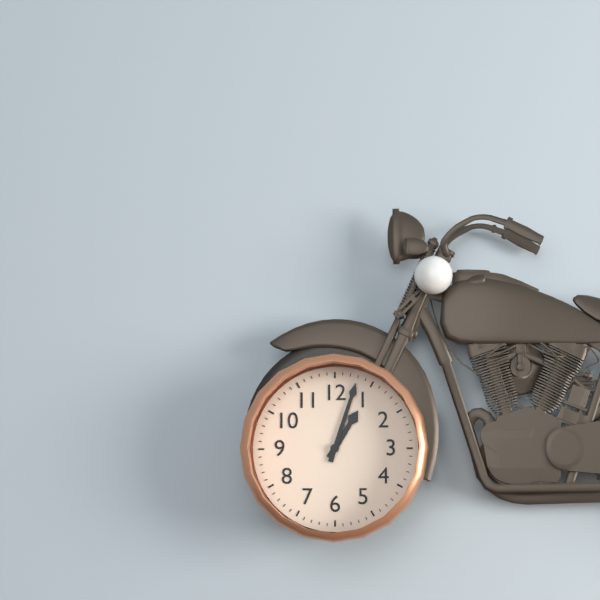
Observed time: 1.03
